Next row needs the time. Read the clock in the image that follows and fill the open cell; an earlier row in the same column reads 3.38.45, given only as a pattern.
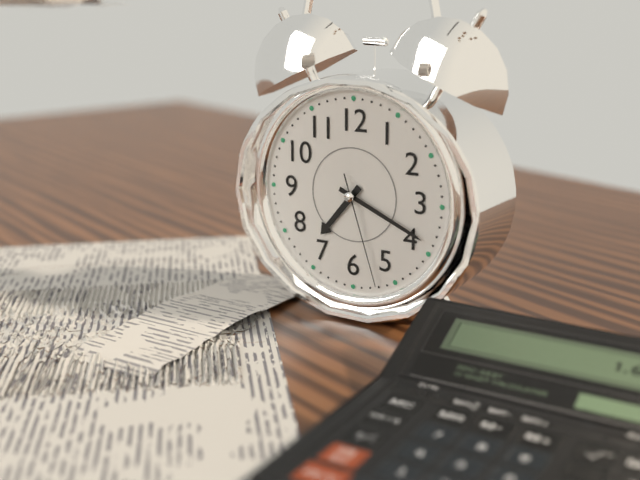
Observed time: 7.19.27
